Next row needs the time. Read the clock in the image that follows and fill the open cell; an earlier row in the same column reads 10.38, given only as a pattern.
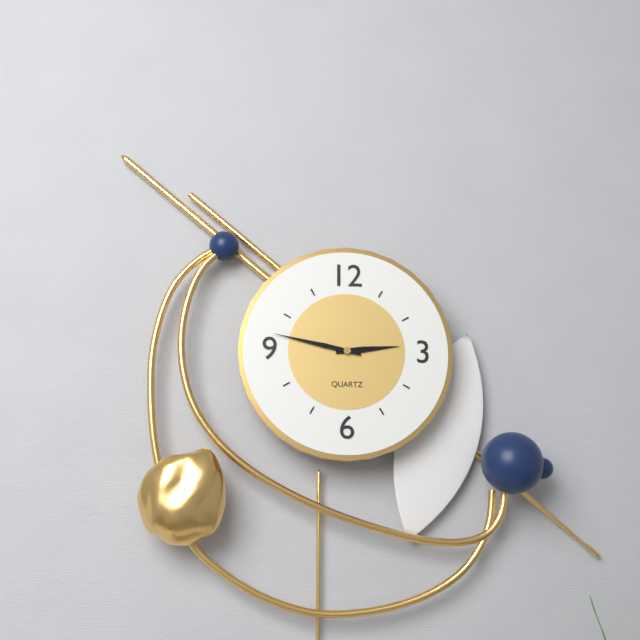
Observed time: 2.47
